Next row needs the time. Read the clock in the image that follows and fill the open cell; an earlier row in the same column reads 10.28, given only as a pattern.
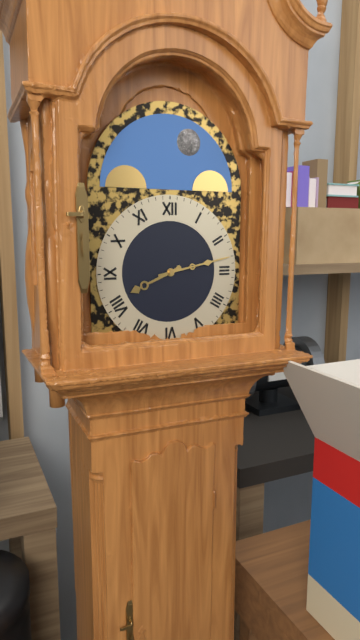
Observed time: 8.13
